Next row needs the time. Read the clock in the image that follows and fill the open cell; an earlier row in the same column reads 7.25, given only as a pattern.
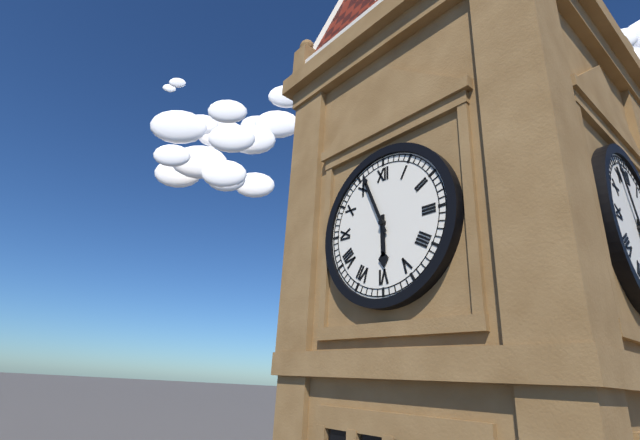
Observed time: 5.56
